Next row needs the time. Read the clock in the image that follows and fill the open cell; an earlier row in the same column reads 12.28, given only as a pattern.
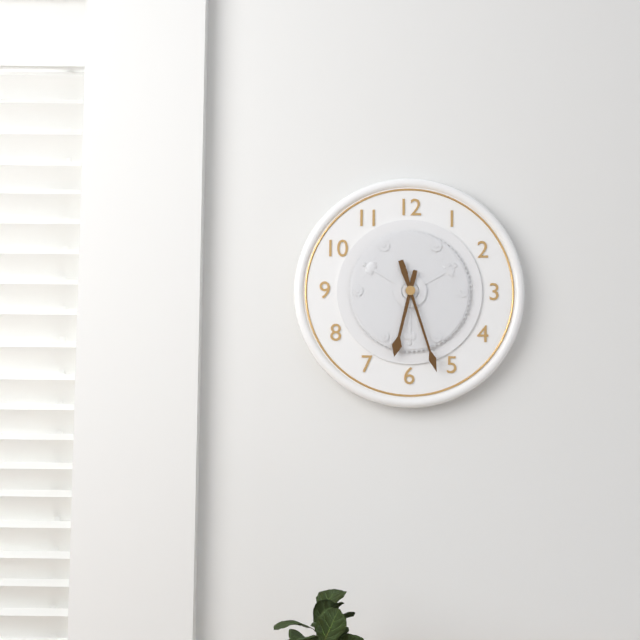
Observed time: 6.27
